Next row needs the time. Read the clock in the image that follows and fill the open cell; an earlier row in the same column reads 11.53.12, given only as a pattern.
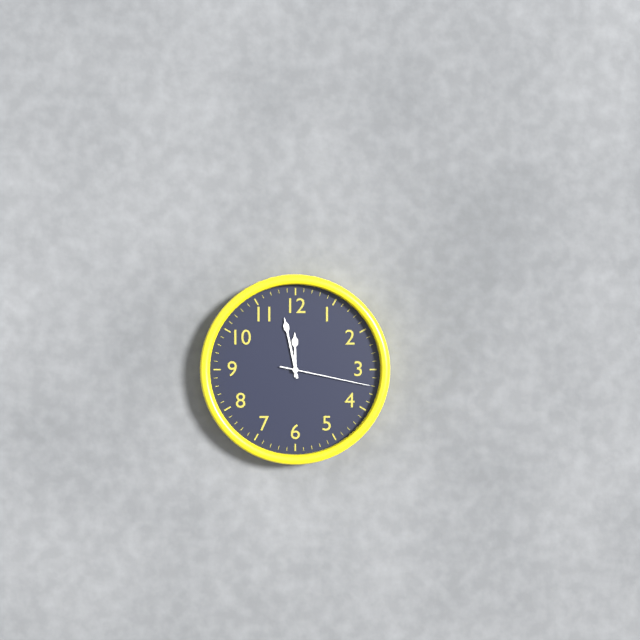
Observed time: 11.58.17
